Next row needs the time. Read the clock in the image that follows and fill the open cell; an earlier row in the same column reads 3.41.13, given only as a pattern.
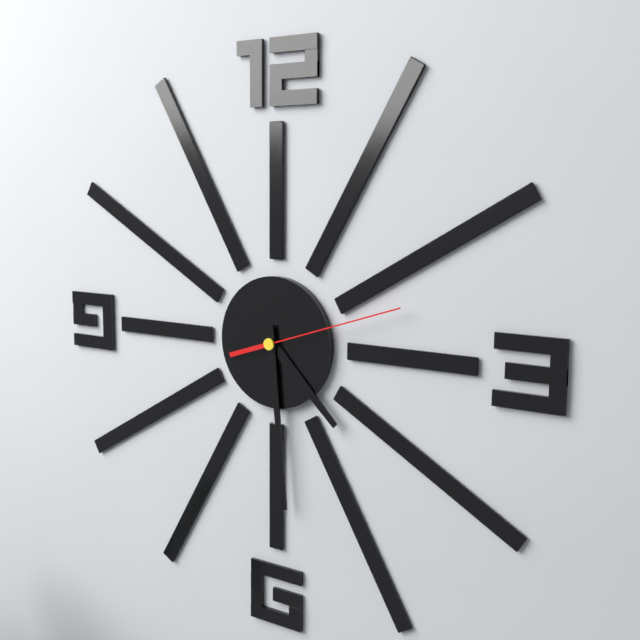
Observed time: 4.29.12
